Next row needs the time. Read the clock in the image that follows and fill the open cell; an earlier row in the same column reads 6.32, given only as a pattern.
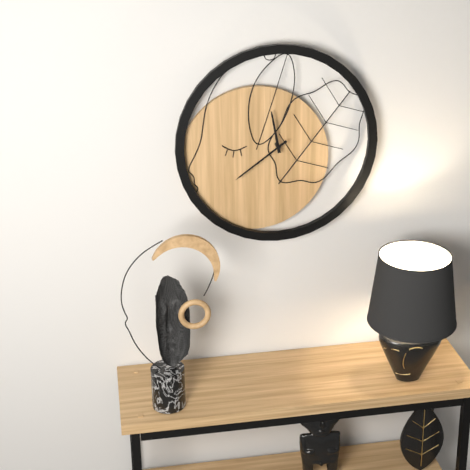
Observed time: 11.39
